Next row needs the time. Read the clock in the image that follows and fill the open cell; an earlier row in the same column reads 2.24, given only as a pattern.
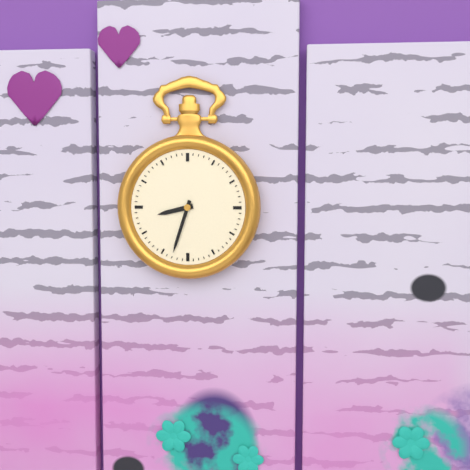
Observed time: 8.33
